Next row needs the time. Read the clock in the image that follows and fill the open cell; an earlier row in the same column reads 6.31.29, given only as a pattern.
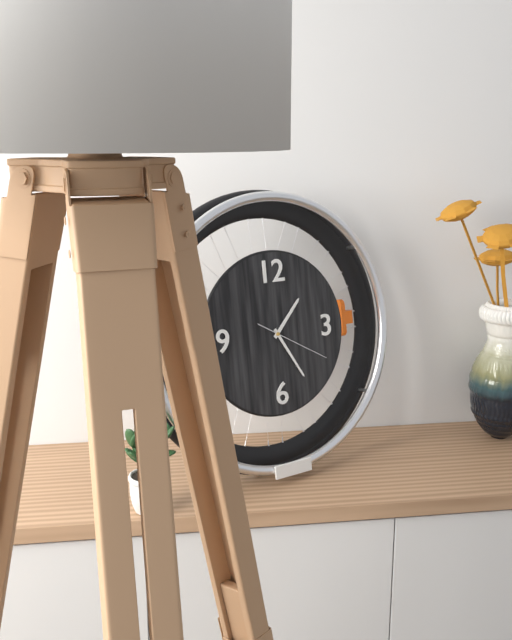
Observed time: 1.25.20
